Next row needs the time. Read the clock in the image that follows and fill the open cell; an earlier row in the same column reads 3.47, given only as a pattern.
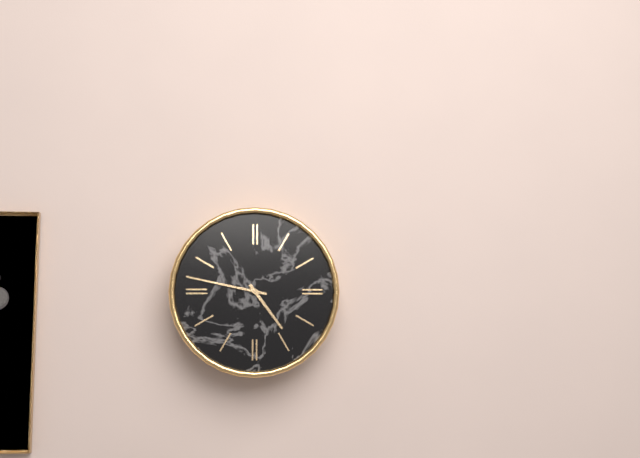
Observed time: 4.47
